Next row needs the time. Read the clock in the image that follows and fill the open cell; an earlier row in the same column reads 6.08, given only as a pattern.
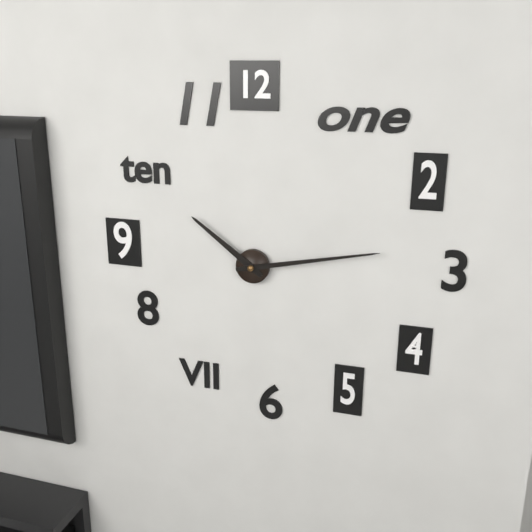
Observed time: 10.13
